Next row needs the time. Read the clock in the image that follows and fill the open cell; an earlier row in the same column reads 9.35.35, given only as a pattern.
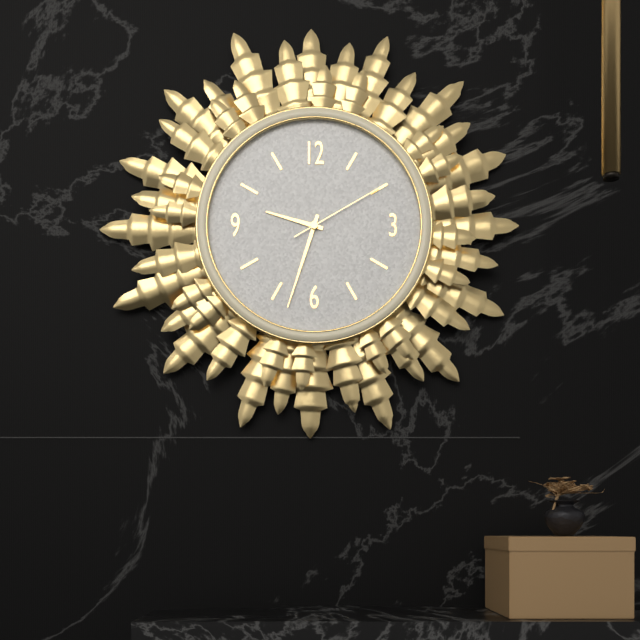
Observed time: 9.33.10
